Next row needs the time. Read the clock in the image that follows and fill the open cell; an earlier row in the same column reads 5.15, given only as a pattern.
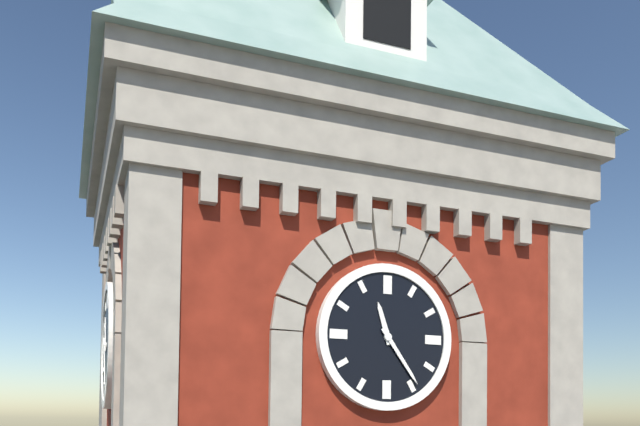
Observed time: 11.24
